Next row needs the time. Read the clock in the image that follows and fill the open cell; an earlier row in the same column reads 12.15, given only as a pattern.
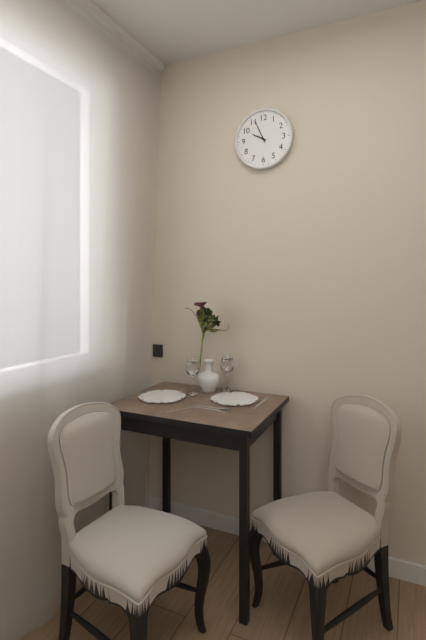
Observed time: 9.56
